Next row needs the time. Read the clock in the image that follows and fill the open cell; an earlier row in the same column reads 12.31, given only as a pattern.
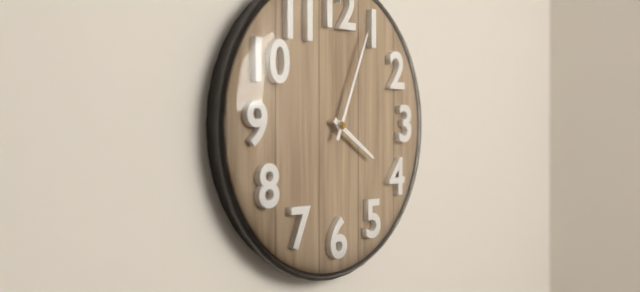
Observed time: 4.04
